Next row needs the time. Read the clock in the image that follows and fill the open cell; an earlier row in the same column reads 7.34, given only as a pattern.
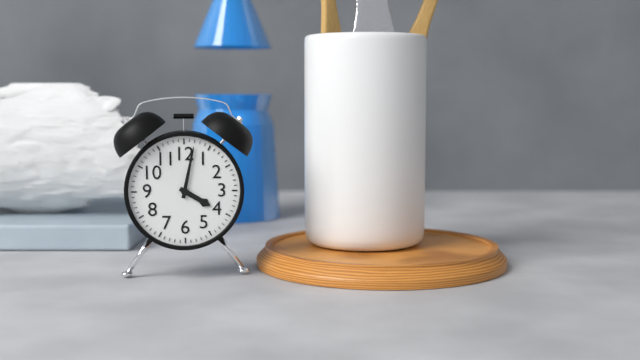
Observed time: 4.02
